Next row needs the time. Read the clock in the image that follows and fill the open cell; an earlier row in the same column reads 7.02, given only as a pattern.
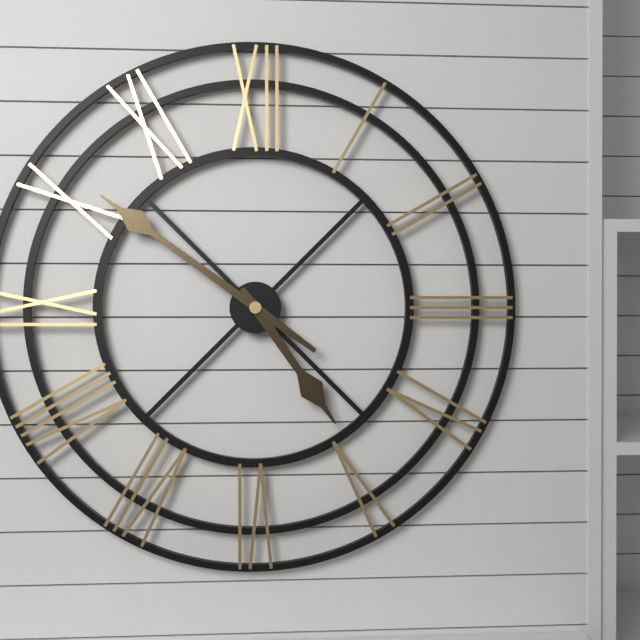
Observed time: 4.51
